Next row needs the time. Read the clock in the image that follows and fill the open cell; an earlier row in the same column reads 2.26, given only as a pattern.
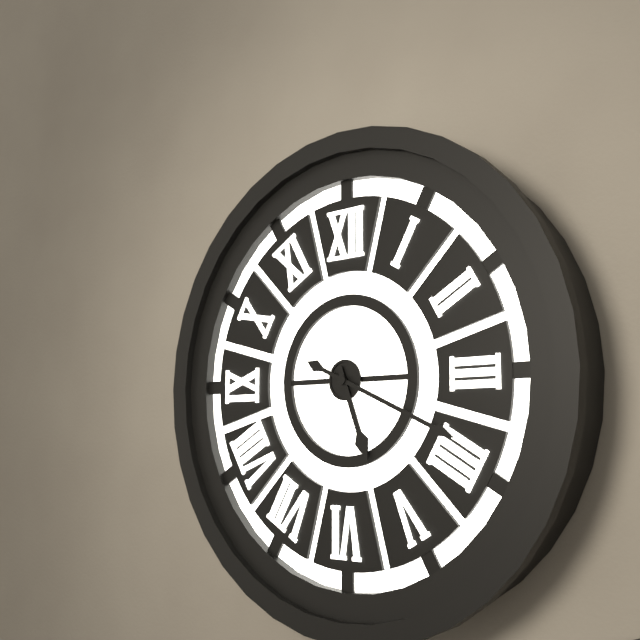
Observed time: 5.19
